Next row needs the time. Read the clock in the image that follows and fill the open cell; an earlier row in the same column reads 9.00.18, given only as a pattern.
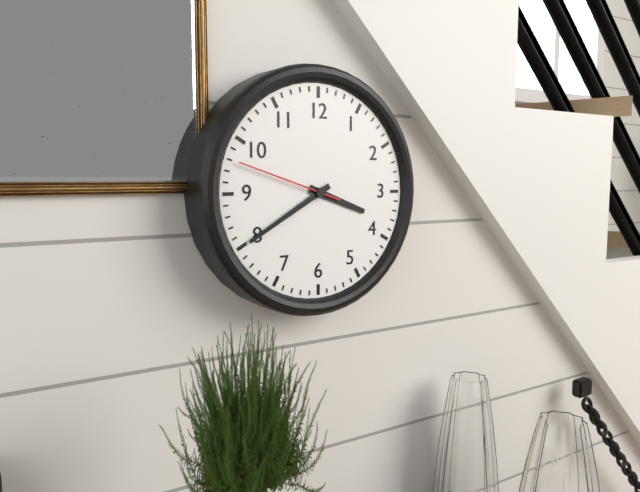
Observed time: 3.40.48
